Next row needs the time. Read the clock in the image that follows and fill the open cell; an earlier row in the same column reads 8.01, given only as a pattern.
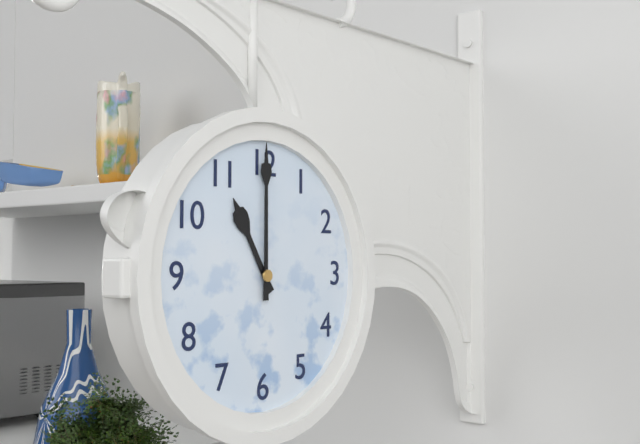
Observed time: 11.00
